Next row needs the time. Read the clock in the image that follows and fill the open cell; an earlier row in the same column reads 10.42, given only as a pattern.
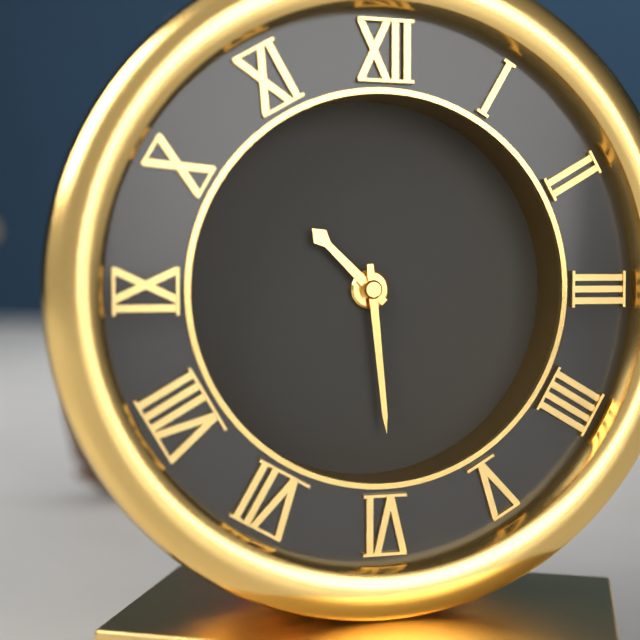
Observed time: 10.29
